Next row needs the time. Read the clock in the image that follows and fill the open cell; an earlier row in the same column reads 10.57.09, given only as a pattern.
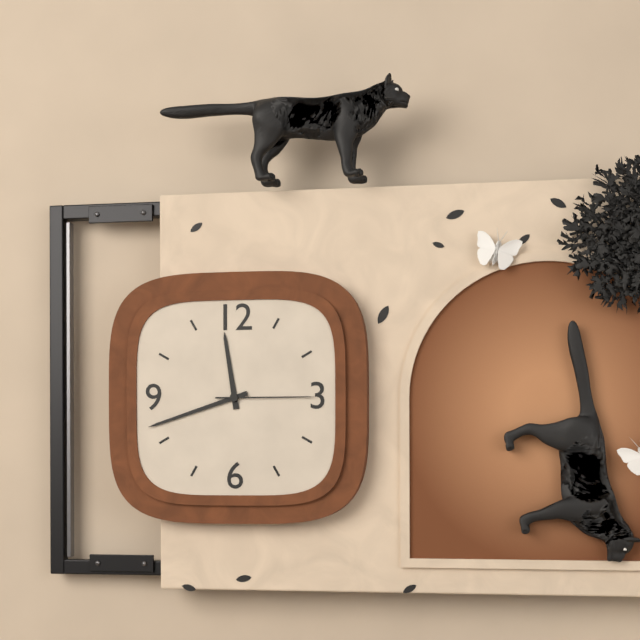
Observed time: 11.42.15
